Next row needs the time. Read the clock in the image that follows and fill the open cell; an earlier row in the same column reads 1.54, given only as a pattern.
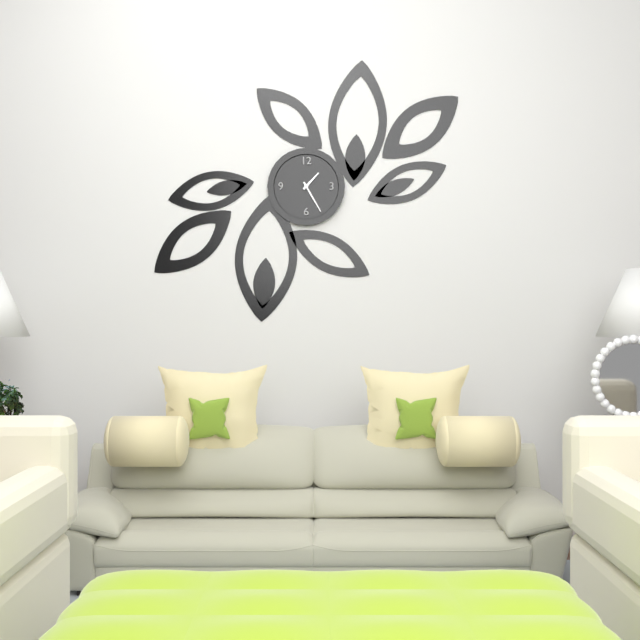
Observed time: 1.25
